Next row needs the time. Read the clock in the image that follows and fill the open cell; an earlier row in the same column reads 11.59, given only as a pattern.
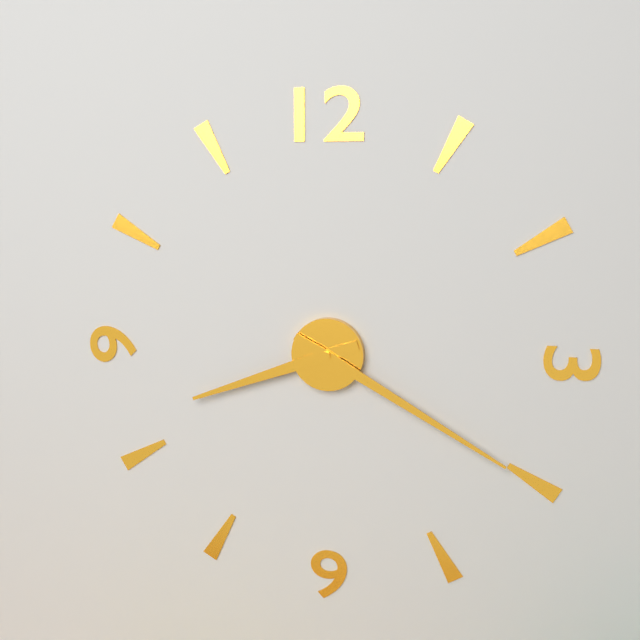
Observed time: 8.20
